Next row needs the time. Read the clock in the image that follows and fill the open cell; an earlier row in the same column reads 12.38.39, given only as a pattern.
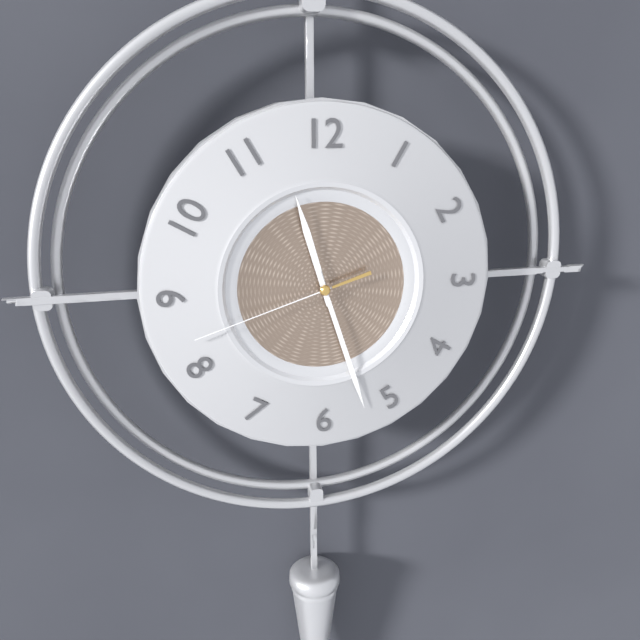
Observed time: 11.27.42
